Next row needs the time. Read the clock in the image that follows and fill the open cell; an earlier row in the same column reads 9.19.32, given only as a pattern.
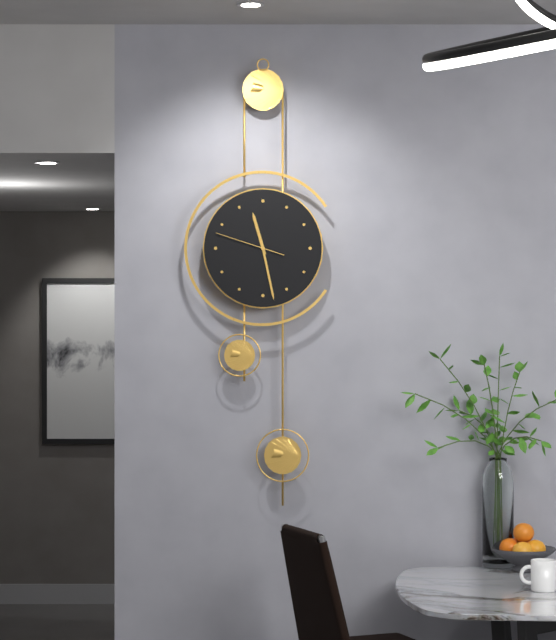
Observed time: 11.28.48
